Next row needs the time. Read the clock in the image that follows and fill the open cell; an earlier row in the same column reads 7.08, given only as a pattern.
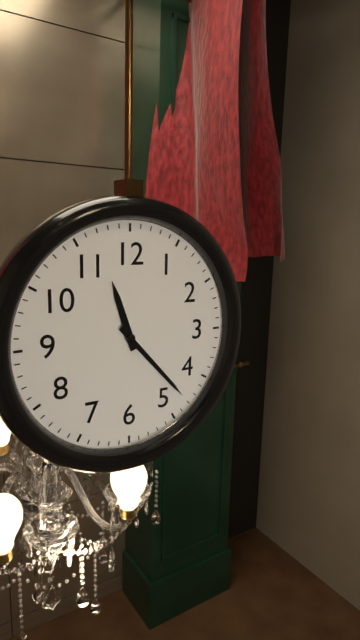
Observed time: 11.23
